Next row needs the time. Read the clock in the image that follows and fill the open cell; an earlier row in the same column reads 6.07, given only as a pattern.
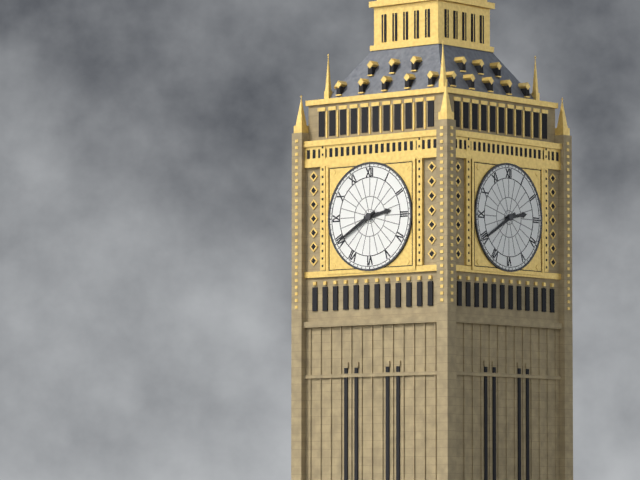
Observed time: 2.40
